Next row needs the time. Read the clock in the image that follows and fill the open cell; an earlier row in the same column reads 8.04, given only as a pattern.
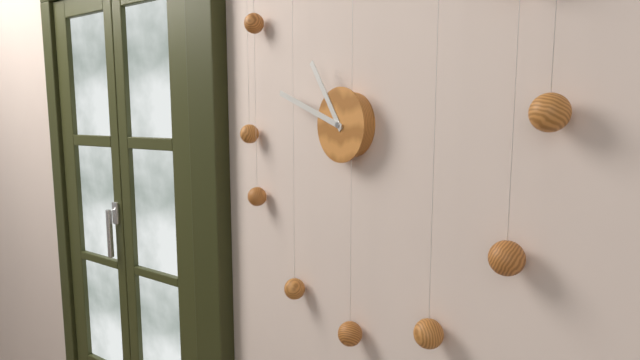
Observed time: 10.48
